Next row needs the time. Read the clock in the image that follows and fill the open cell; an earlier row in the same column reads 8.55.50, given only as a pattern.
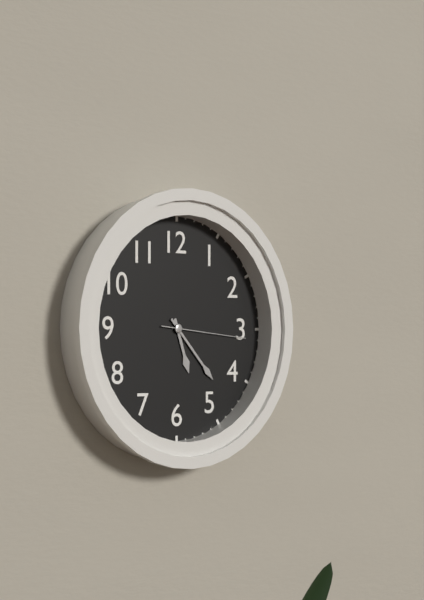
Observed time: 5.23.16
